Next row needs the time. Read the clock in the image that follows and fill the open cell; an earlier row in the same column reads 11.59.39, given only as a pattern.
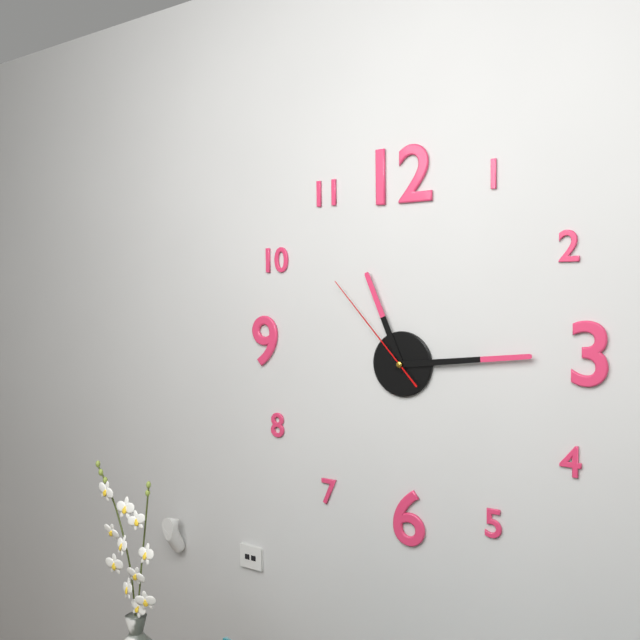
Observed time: 11.14.53
